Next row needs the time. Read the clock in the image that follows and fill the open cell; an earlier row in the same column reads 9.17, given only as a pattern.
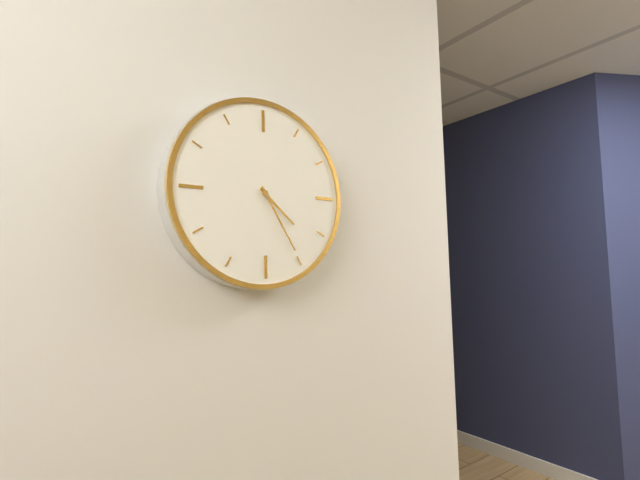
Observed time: 4.25
